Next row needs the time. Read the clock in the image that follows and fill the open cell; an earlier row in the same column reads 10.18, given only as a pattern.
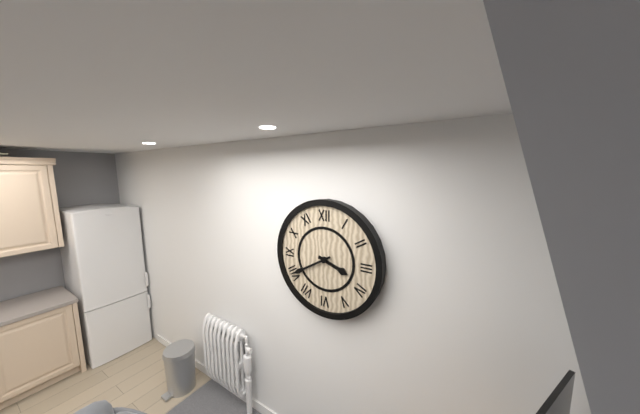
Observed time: 3.40
